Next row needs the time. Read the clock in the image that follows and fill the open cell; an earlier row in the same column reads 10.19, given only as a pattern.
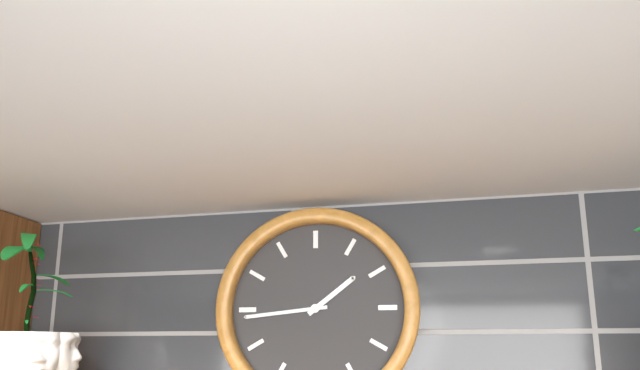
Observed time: 1.44
